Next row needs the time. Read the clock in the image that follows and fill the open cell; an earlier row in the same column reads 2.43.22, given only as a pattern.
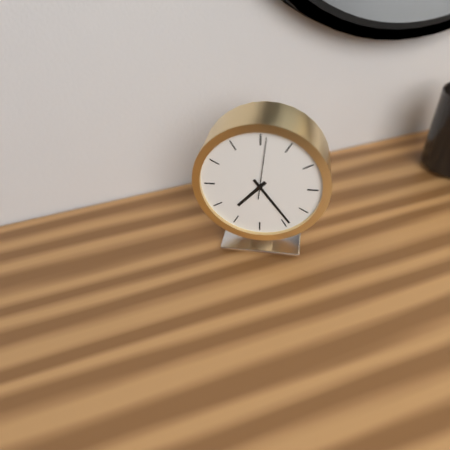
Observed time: 7.24.01
